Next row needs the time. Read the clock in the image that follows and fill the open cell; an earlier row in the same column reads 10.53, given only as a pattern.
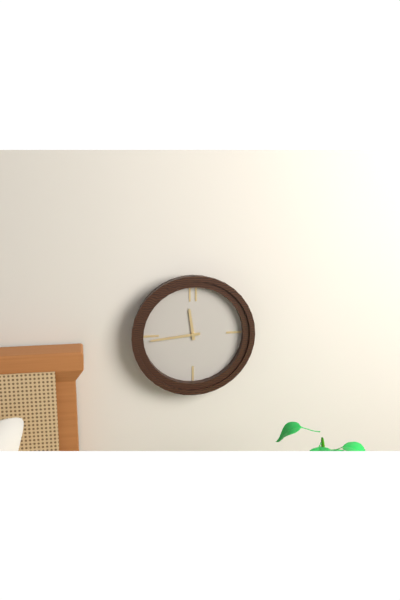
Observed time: 11.44
